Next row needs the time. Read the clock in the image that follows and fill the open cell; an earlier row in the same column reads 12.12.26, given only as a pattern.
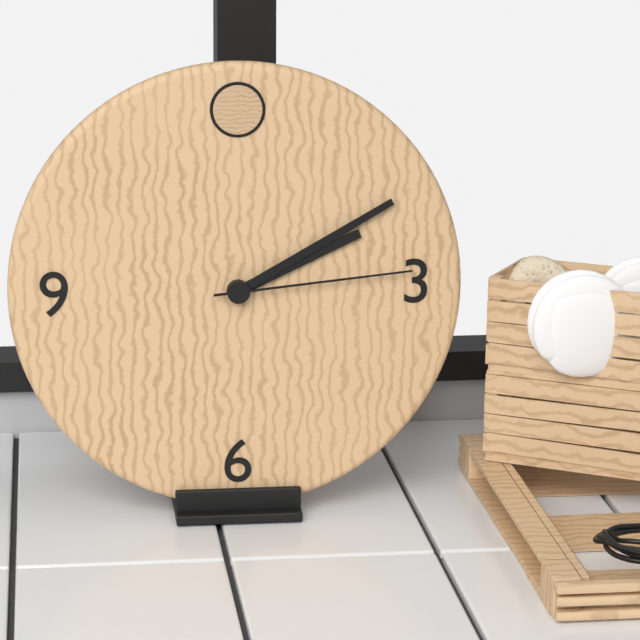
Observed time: 2.10.14
